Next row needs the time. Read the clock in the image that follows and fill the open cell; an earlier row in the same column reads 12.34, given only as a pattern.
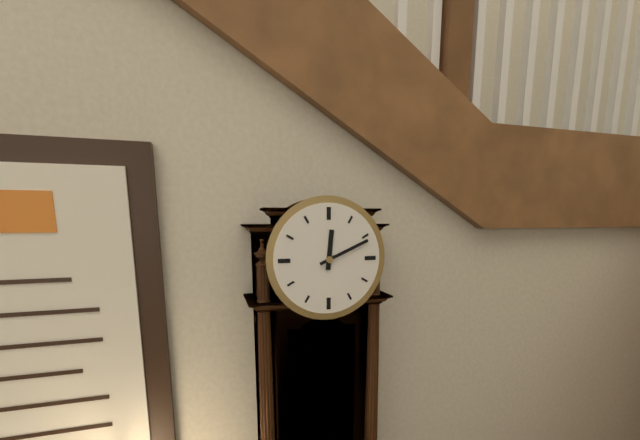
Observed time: 12.11
